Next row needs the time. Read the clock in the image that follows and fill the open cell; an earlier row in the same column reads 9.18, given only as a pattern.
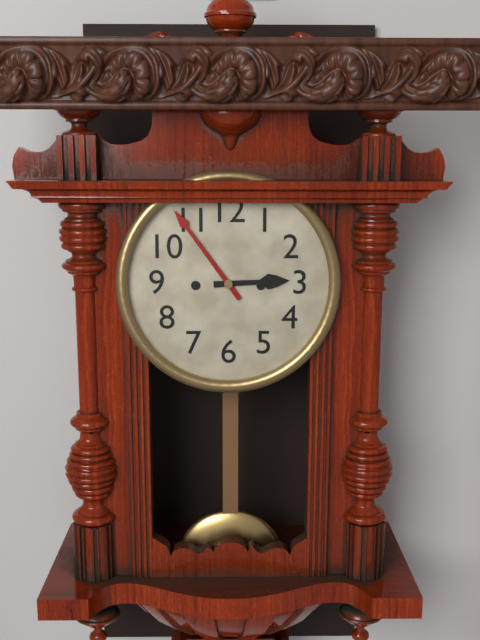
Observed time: 2.54
